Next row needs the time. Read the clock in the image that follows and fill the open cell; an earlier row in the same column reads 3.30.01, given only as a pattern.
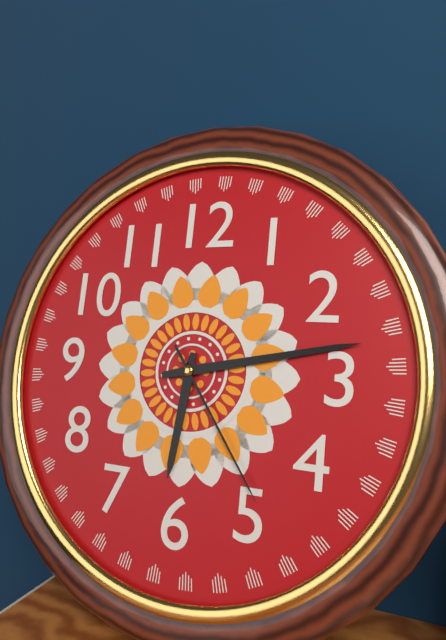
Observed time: 6.13.24
